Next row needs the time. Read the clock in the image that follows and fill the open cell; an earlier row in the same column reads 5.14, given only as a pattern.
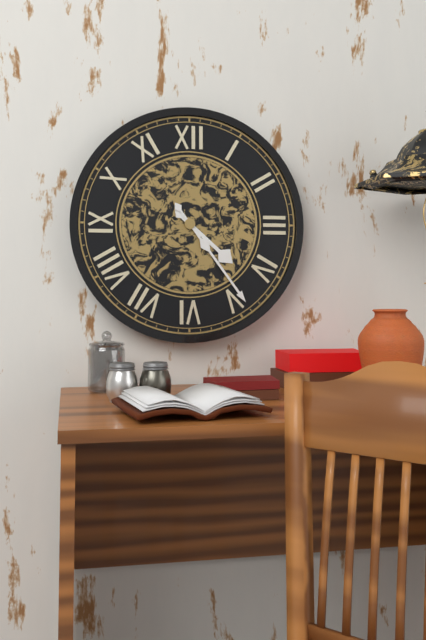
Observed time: 4.24
